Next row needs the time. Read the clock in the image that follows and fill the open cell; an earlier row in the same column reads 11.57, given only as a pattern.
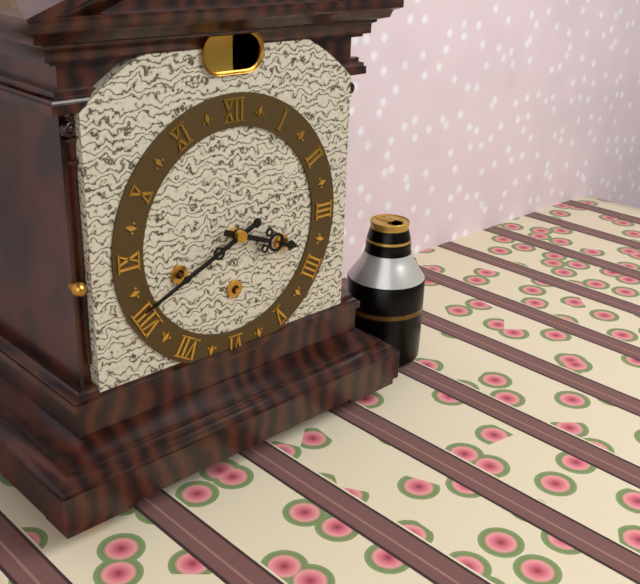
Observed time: 3.41
